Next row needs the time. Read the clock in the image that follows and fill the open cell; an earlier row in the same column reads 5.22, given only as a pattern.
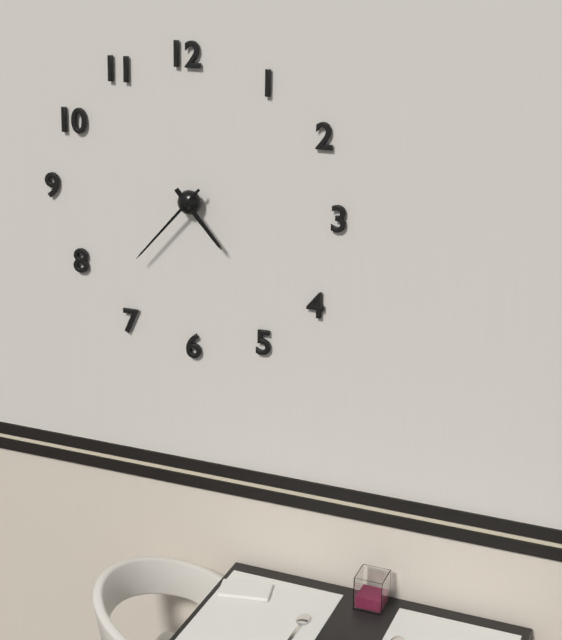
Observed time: 4.37
